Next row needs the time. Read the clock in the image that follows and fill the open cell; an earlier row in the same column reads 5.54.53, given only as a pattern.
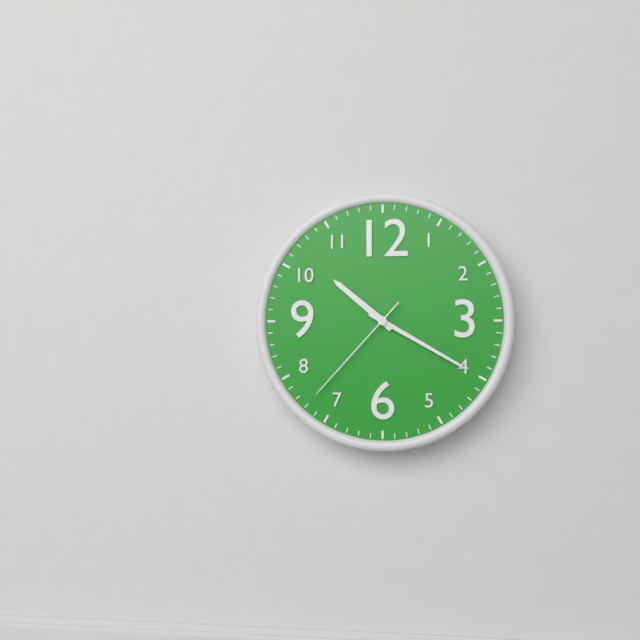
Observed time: 10.20.37
